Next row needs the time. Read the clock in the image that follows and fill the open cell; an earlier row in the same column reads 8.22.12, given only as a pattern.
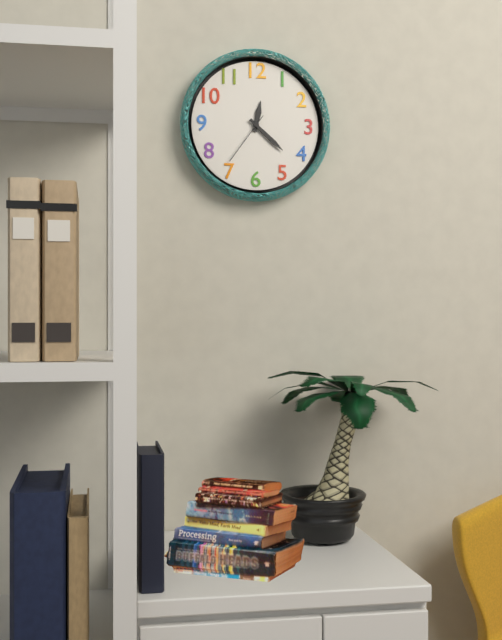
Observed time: 12.22.36
